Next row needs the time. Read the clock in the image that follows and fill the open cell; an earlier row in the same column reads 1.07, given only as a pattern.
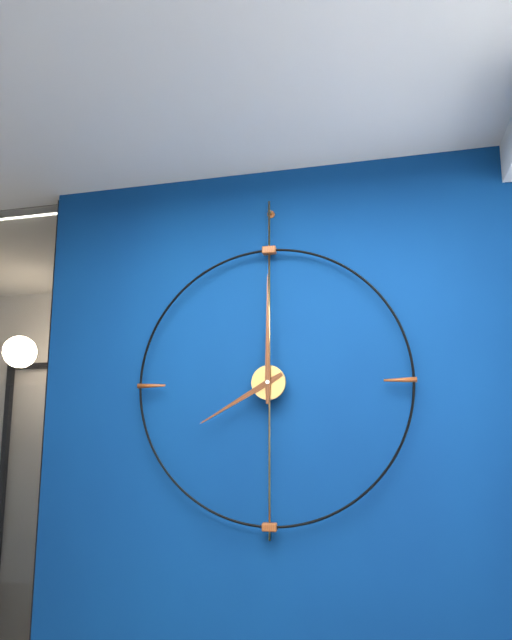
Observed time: 8.00
